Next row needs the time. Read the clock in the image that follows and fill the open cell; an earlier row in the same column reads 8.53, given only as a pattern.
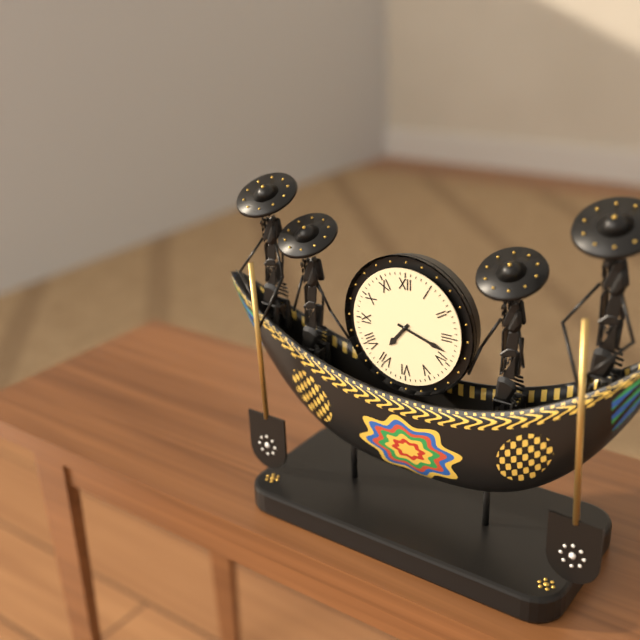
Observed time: 7.18
